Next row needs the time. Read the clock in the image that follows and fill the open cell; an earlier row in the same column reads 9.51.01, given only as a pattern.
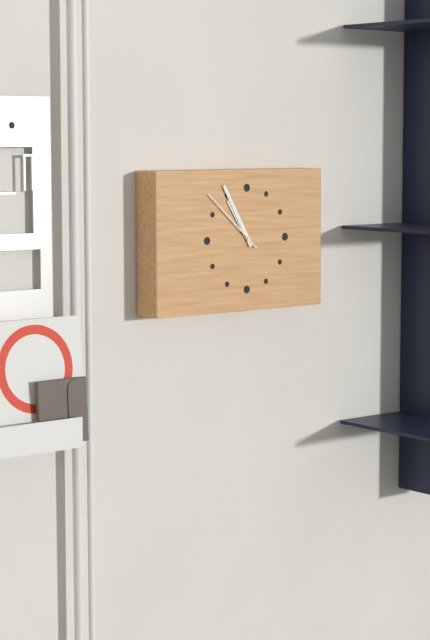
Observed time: 10.55.52
